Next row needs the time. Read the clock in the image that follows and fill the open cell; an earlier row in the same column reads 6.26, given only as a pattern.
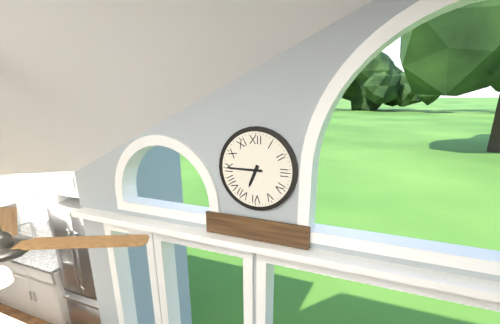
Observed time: 6.45
